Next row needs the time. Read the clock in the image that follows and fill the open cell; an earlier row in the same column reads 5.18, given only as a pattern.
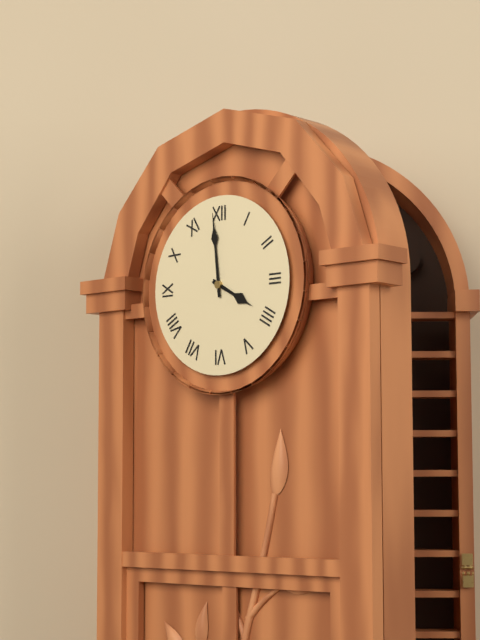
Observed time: 3.59
